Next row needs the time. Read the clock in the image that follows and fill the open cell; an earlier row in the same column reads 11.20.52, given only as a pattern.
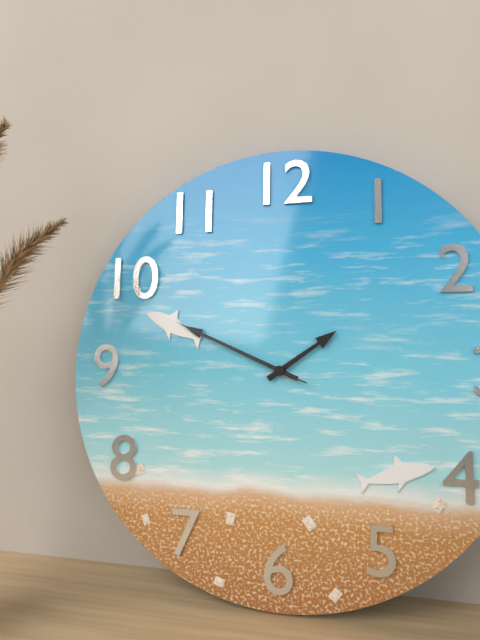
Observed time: 1.49.49
